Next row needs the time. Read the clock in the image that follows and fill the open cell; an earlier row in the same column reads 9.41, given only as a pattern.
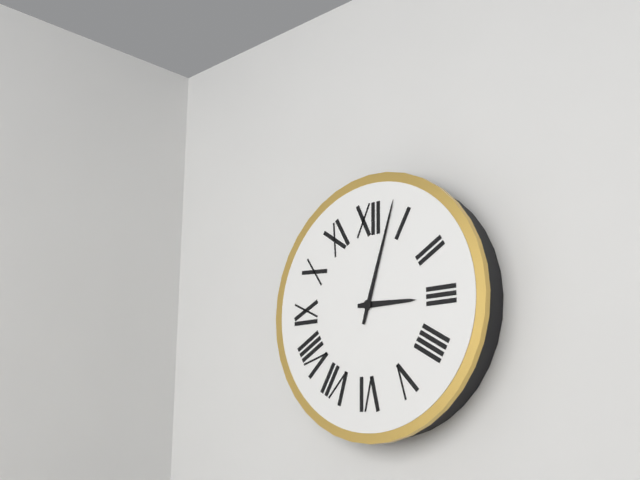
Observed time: 3.03
